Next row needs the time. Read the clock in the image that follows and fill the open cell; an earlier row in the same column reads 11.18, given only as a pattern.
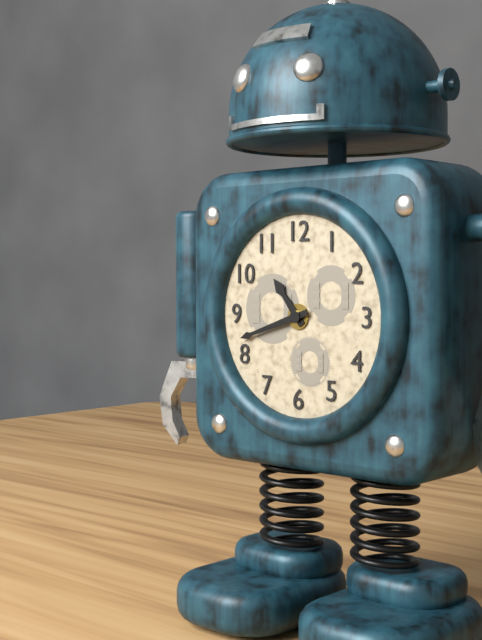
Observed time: 10.42
